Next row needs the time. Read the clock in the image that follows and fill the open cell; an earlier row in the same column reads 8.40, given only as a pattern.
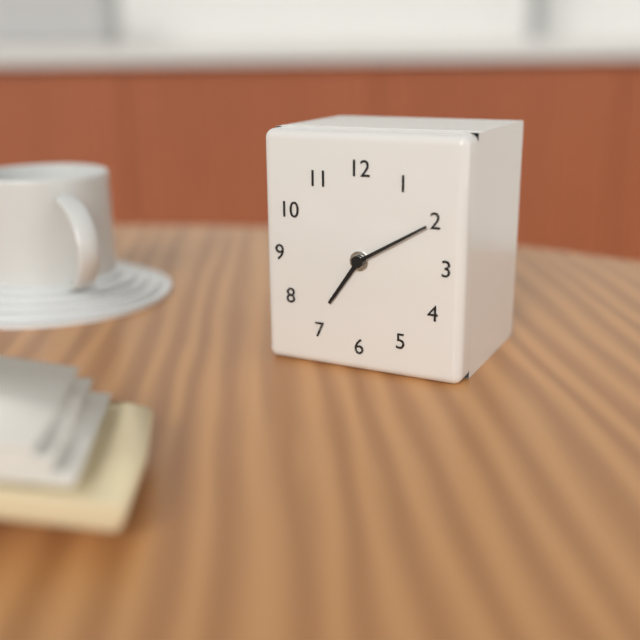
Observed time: 7.10
